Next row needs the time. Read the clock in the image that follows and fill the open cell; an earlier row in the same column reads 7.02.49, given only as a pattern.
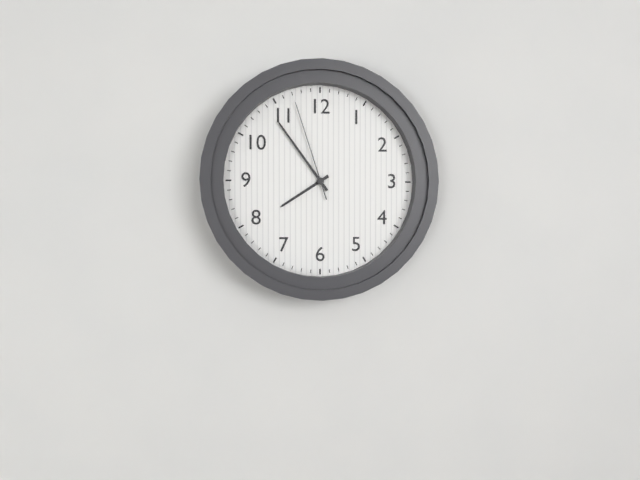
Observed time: 7.54.57
